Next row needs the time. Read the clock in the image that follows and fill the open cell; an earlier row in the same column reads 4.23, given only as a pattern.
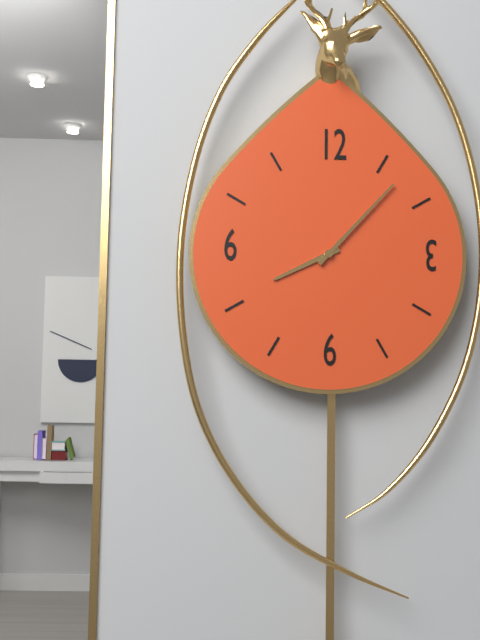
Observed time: 8.07
